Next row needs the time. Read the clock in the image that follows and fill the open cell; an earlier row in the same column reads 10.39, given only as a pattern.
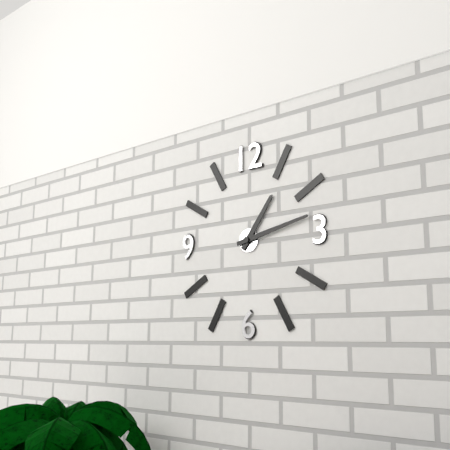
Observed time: 1.13
